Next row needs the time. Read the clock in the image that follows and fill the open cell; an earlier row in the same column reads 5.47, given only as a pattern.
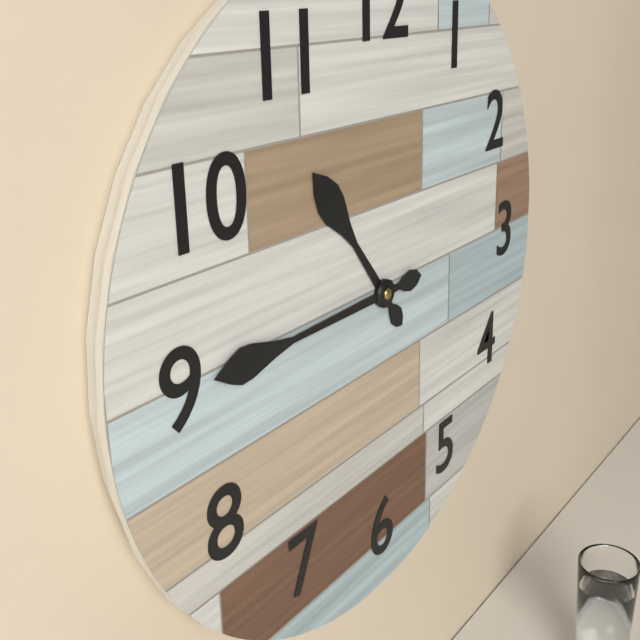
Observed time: 10.45
